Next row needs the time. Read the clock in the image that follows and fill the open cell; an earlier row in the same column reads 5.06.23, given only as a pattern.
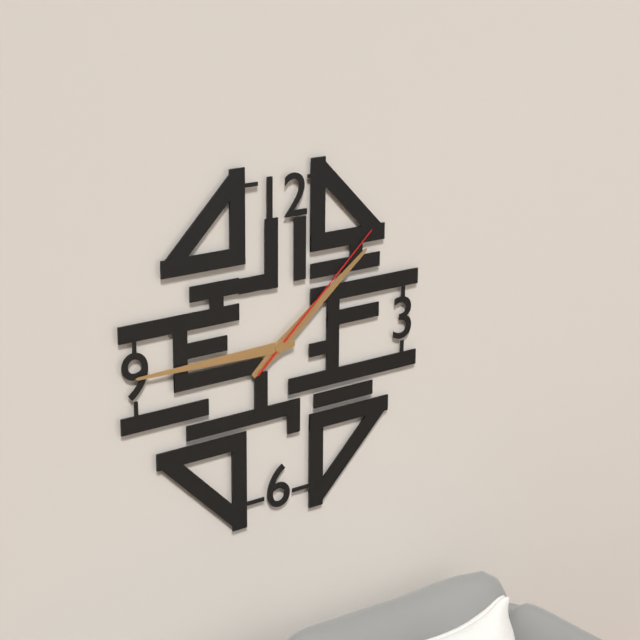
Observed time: 1.45.08
